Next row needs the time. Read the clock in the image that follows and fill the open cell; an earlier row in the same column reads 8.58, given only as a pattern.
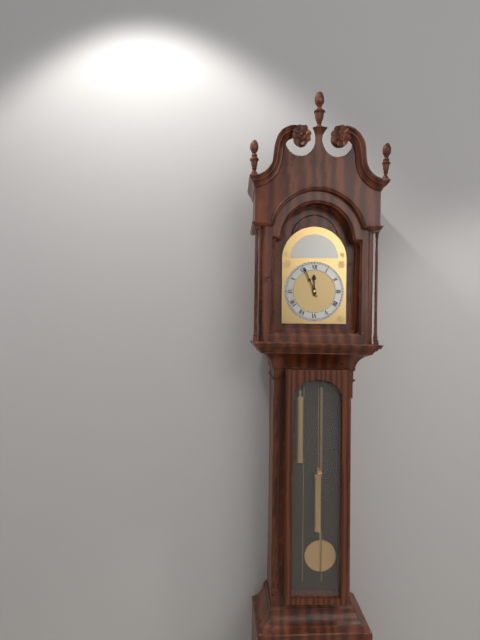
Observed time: 11.56
